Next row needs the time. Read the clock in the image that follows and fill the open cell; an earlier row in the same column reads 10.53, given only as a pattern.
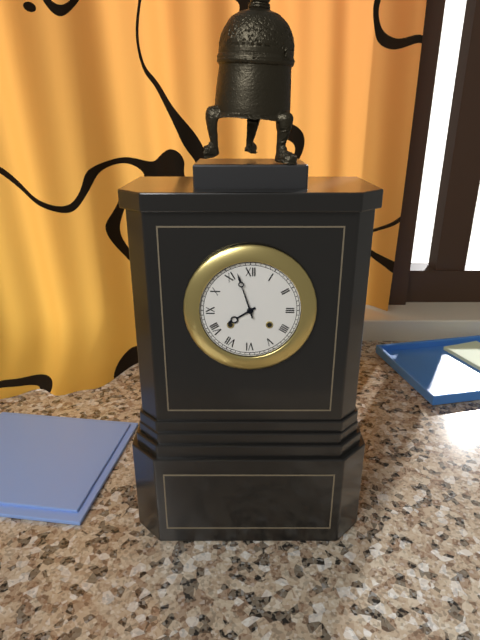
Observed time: 7.57
